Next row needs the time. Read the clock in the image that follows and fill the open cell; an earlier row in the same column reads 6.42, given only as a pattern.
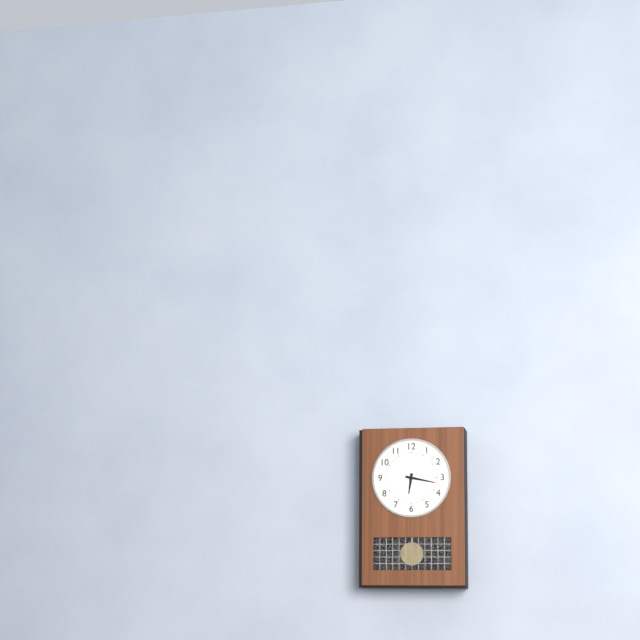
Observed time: 6.17
